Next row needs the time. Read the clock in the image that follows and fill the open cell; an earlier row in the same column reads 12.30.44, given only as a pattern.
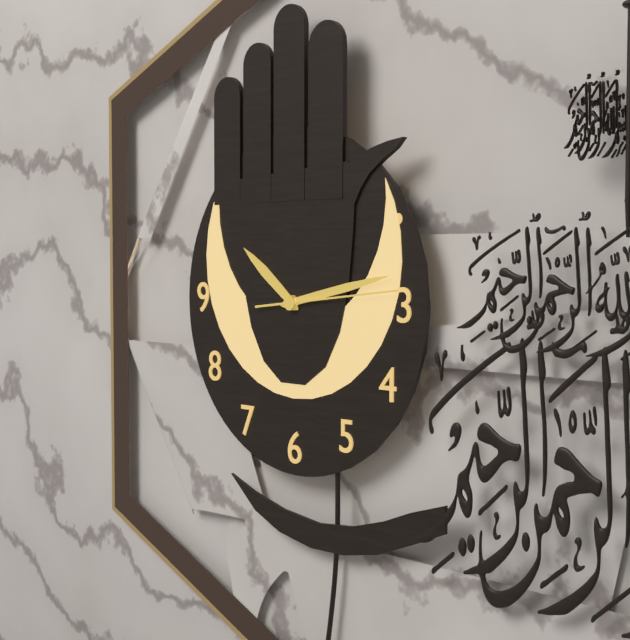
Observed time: 10.13.14
